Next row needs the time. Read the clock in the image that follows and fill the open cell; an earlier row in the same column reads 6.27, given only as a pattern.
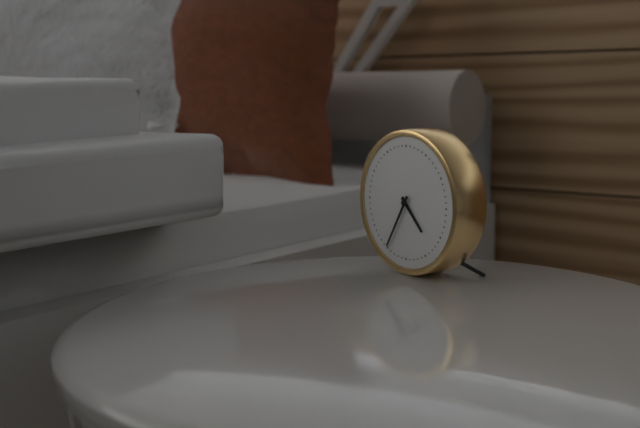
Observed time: 4.35
